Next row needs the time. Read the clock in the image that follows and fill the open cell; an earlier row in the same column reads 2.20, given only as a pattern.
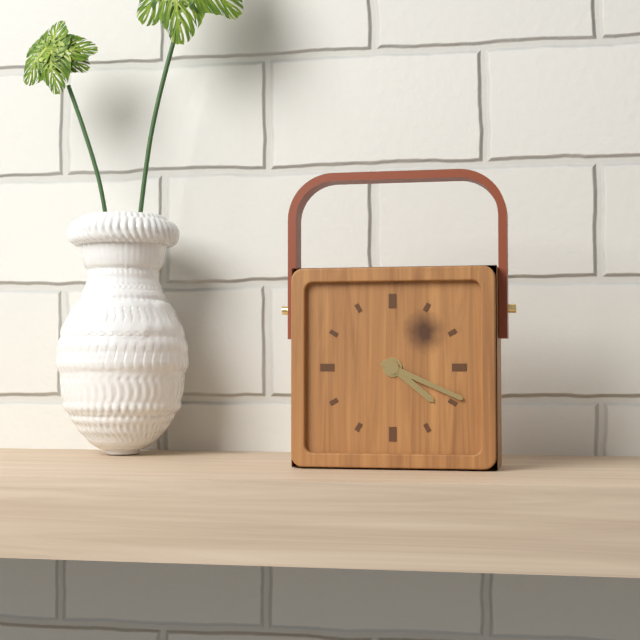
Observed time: 4.19
